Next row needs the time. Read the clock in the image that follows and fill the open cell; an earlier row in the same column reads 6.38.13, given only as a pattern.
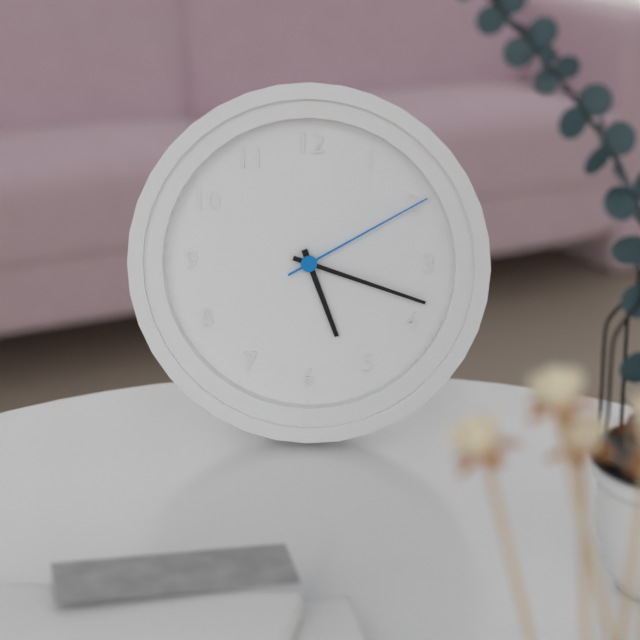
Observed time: 5.18.10
